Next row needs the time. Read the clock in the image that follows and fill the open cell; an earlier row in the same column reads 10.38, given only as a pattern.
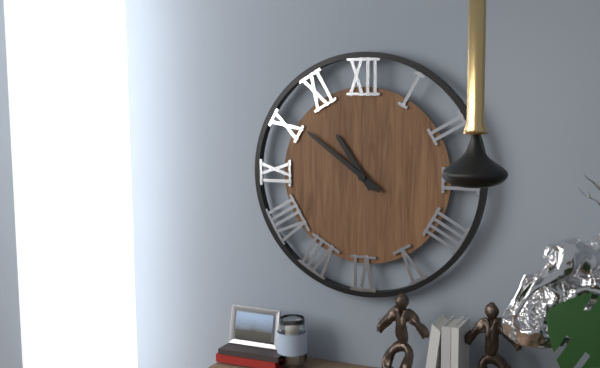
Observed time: 10.51
